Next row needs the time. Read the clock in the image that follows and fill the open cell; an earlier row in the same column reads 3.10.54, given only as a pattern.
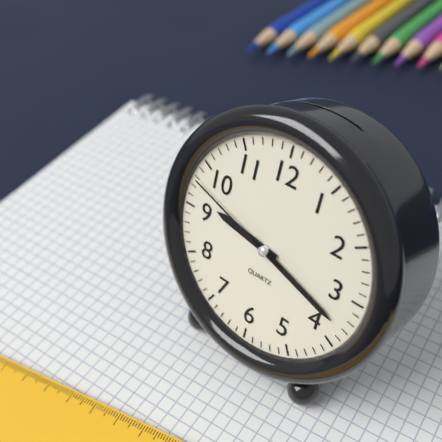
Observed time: 9.18.48
